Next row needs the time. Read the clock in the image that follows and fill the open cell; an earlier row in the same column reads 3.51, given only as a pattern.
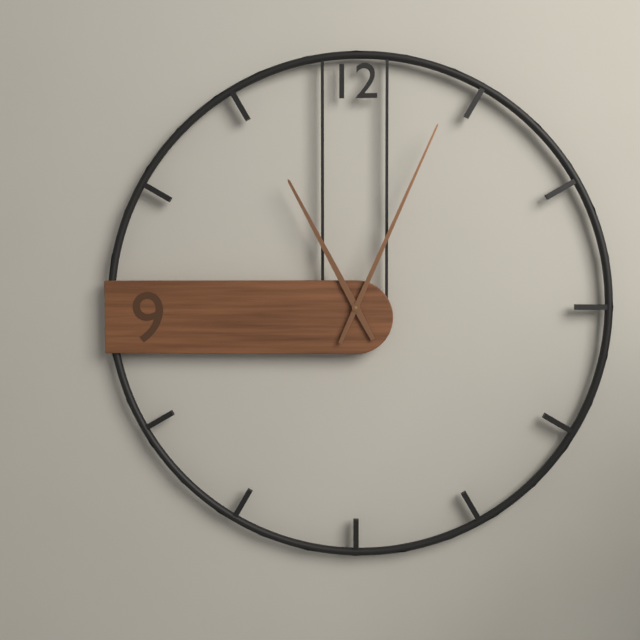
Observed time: 11.04
